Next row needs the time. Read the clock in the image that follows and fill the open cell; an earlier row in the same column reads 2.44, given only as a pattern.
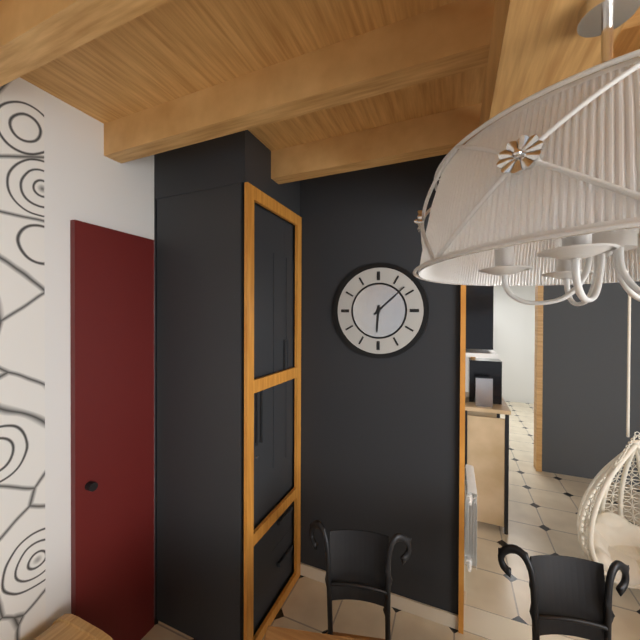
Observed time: 6.08
